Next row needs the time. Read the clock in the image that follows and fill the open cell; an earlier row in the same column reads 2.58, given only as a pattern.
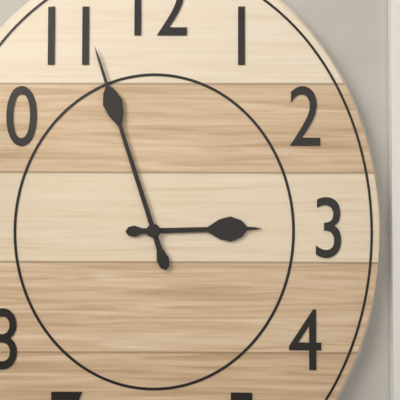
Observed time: 2.57
